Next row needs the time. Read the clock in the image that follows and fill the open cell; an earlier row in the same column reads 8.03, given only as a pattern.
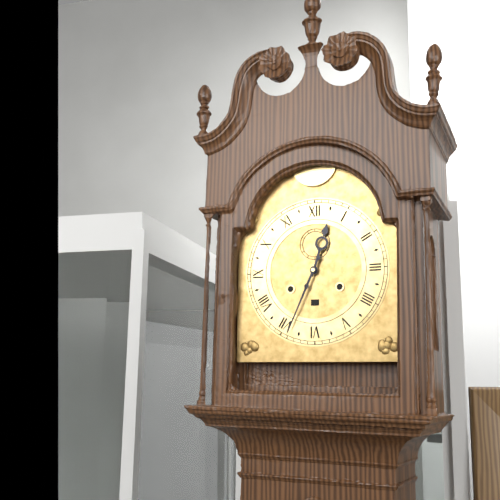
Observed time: 12.34
